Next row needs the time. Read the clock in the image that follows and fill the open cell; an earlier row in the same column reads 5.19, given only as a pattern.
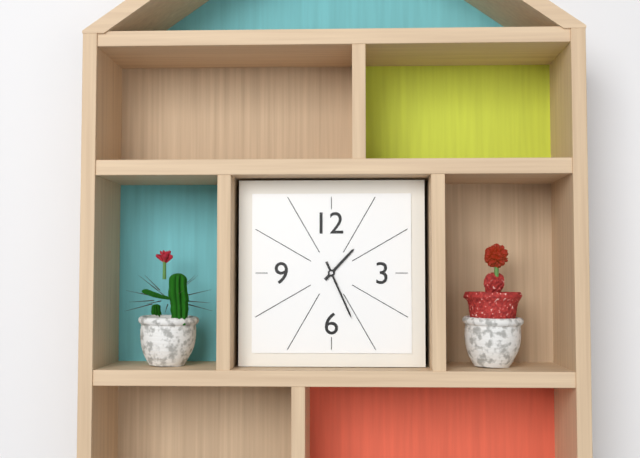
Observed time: 1.26
